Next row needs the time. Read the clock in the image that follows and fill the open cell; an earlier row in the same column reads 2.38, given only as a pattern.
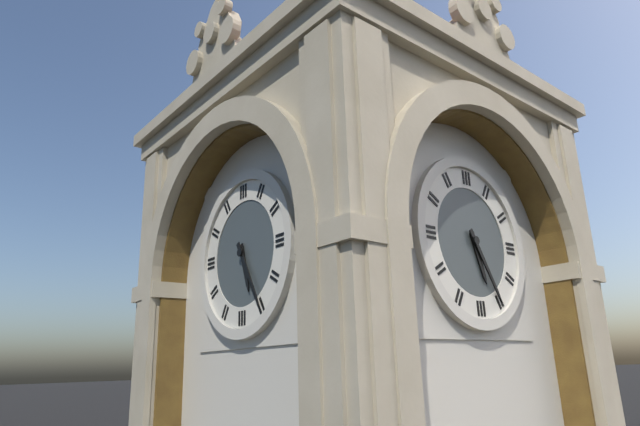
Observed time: 5.25
